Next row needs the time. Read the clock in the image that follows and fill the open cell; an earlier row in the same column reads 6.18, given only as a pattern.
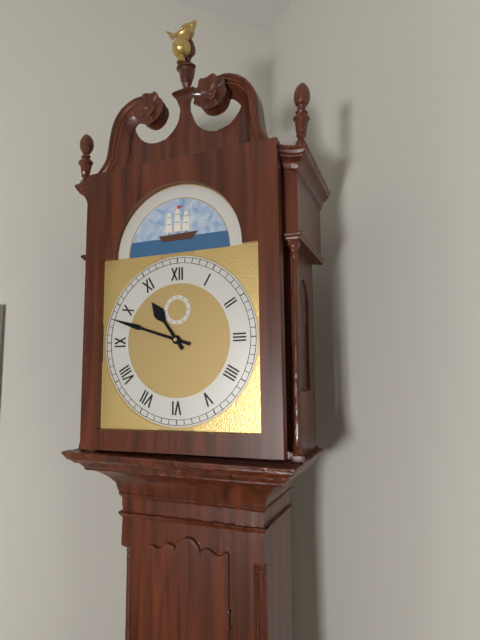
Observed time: 10.48
